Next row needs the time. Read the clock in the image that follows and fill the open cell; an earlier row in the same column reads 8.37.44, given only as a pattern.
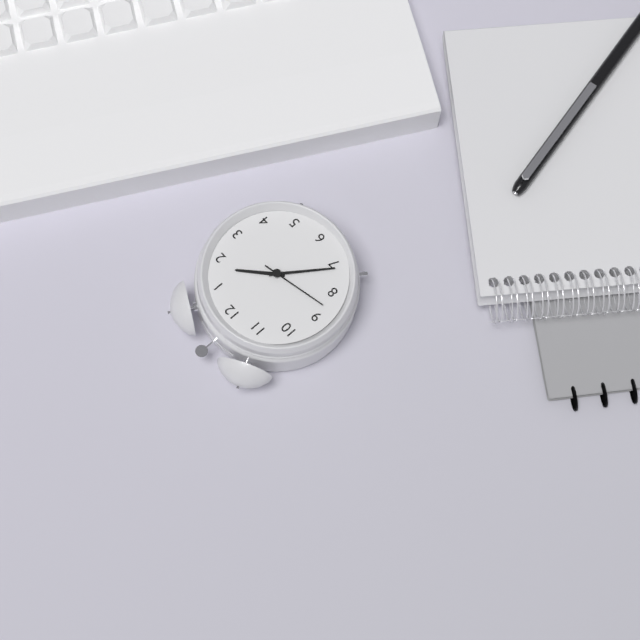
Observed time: 1.36.43
